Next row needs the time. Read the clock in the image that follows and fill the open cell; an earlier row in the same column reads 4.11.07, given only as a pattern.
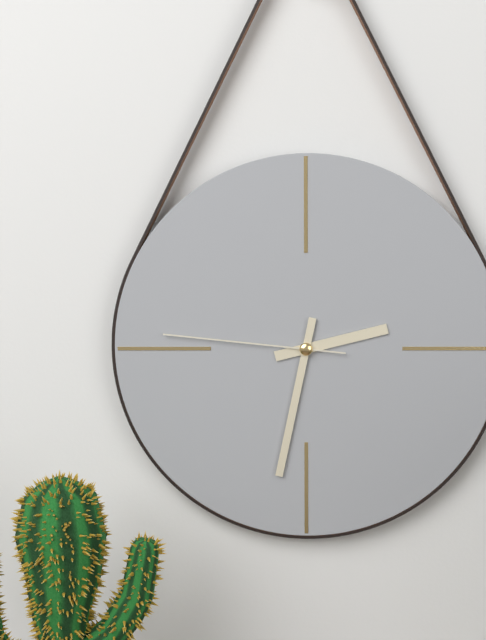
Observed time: 2.32.46
